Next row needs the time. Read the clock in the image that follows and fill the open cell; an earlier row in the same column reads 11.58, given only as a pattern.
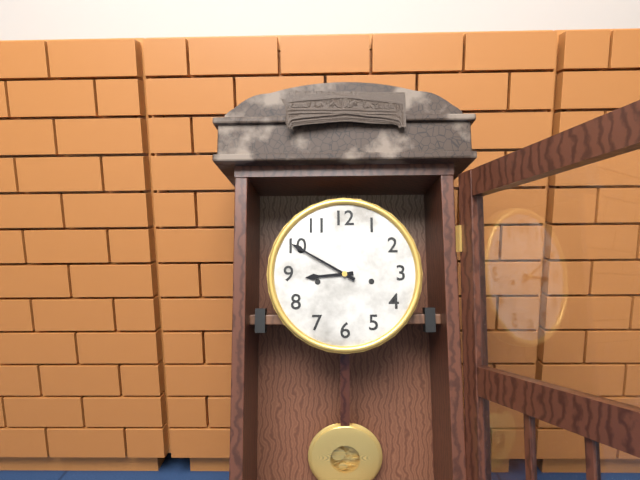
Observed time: 8.50
